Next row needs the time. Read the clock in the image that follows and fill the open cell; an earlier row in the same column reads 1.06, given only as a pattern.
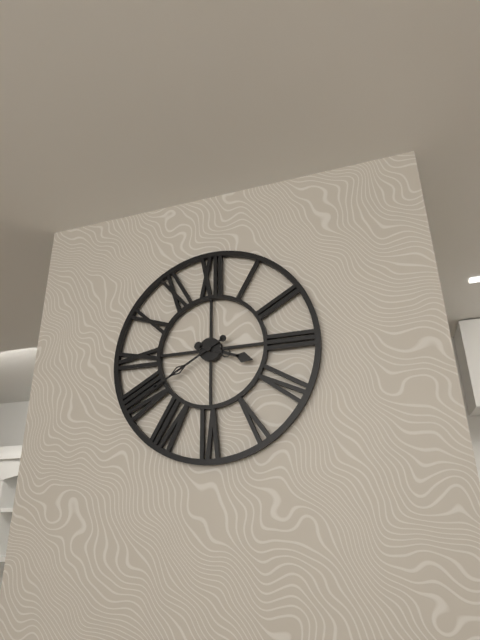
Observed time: 3.40
